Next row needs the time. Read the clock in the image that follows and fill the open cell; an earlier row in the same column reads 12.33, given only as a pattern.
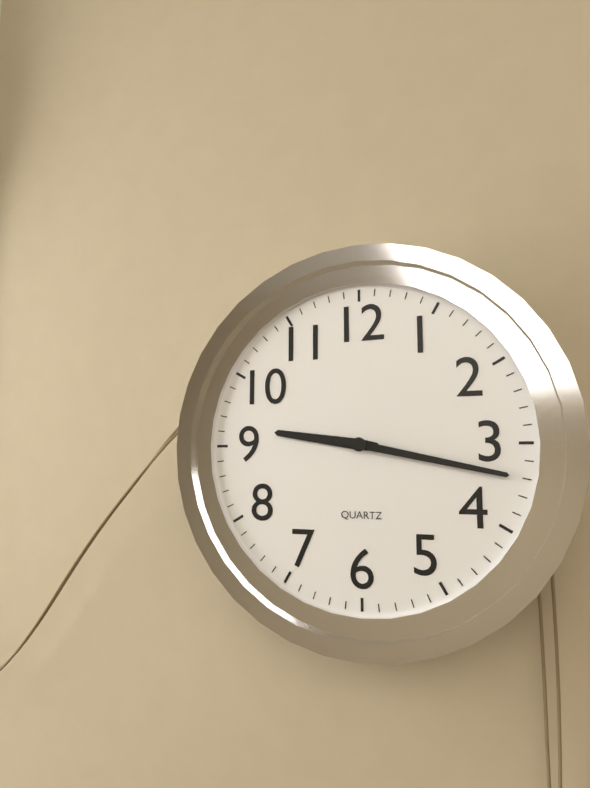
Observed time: 9.17
